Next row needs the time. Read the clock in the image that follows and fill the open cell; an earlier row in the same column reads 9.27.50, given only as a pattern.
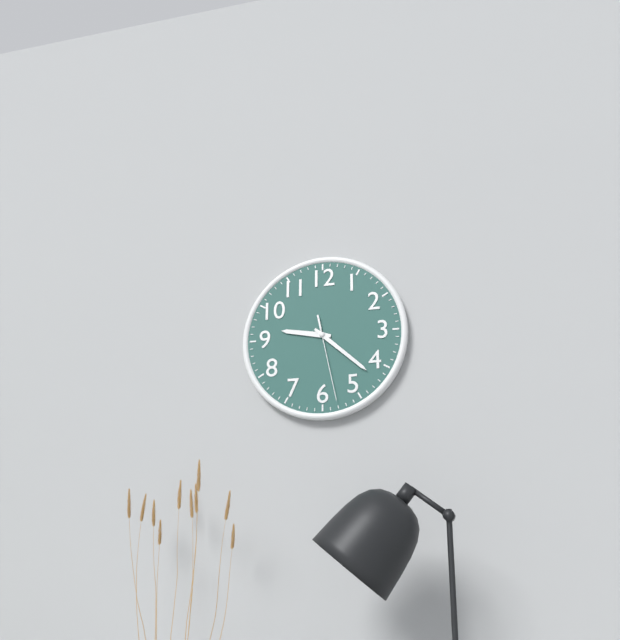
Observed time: 9.22.28
